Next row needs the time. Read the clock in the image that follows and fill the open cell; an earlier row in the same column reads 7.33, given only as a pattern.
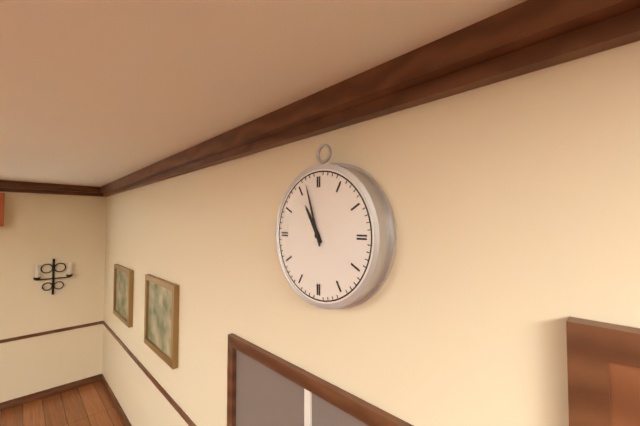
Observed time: 10.57
